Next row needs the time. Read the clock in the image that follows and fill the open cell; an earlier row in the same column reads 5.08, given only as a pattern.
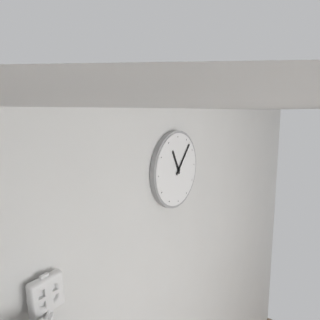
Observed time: 11.07
